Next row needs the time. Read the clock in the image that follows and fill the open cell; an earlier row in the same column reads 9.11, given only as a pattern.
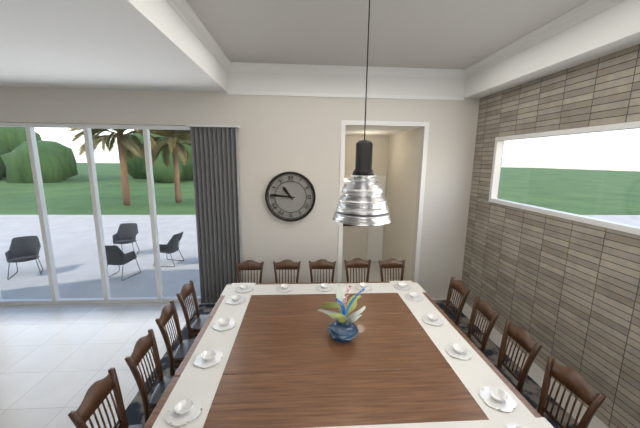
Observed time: 10.46
